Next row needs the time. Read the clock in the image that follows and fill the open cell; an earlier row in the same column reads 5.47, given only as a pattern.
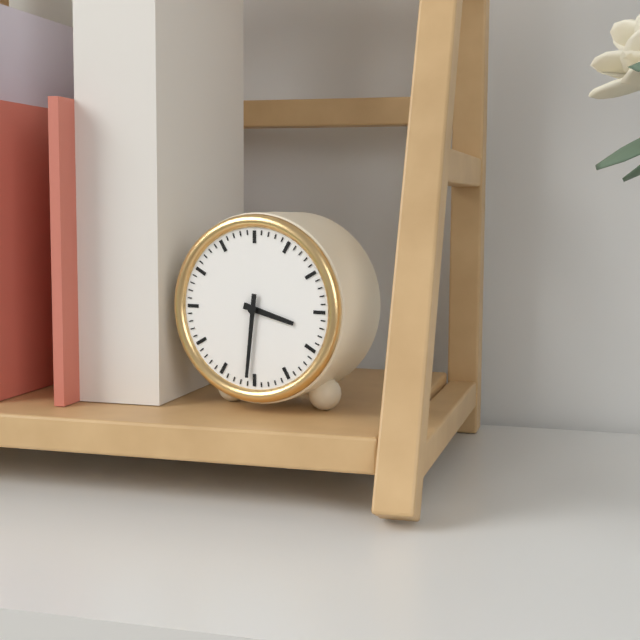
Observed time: 3.31
